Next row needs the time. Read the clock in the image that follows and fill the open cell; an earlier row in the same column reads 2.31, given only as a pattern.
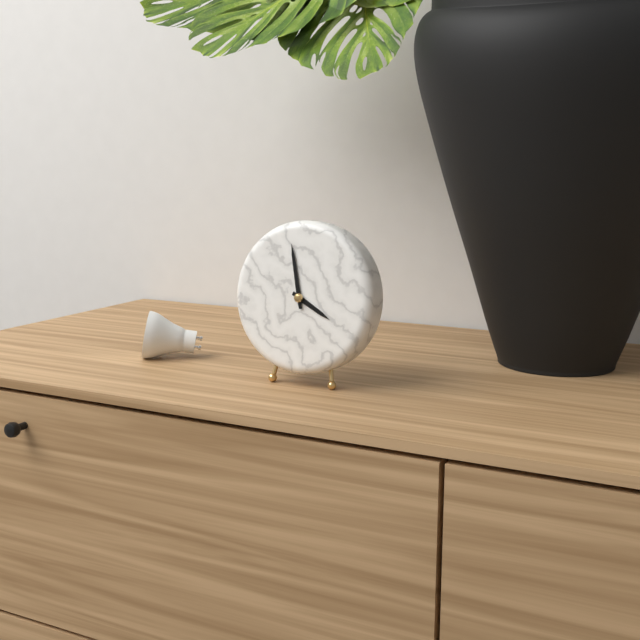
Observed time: 3.58
